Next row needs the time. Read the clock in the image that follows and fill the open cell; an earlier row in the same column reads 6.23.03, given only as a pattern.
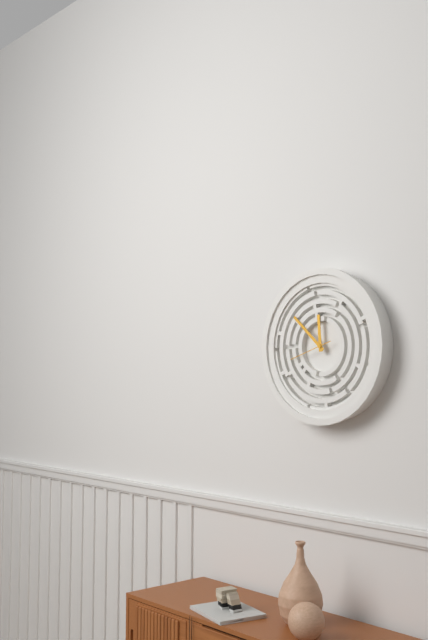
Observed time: 11.52.42
